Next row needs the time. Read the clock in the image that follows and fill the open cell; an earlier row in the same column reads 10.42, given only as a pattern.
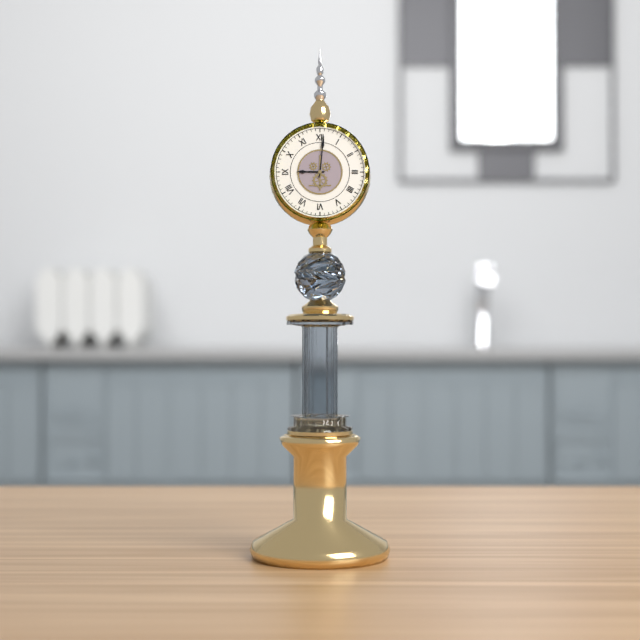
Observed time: 9.01
